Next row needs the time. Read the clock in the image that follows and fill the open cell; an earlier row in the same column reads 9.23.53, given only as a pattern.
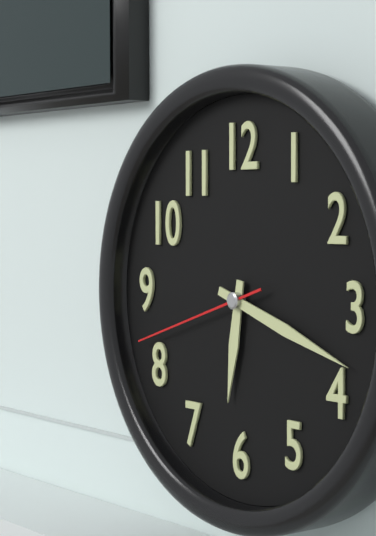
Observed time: 6.18.42
